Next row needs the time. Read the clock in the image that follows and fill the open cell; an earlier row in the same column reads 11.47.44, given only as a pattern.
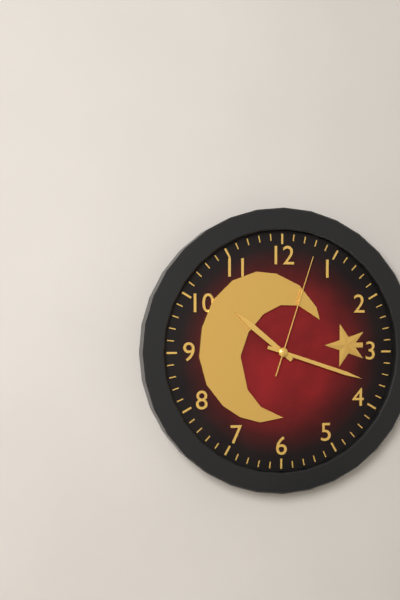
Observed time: 10.18.03
